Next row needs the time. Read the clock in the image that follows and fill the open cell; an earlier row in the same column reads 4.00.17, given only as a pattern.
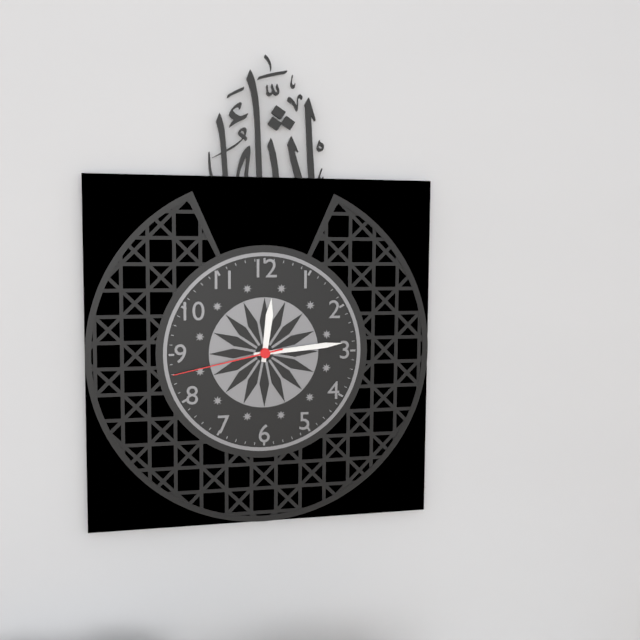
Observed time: 12.14.43
